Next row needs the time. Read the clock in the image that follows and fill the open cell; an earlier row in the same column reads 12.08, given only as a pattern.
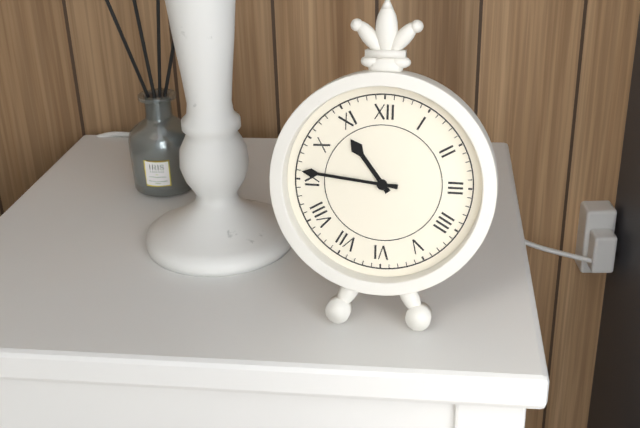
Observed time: 10.46
